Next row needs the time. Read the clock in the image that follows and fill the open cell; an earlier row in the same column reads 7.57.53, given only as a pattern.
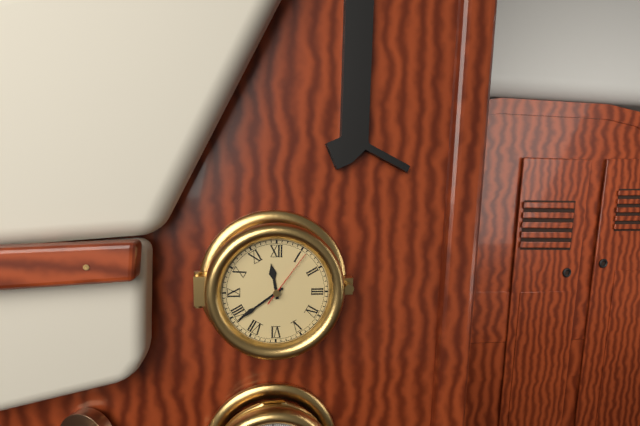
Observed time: 11.39.06
